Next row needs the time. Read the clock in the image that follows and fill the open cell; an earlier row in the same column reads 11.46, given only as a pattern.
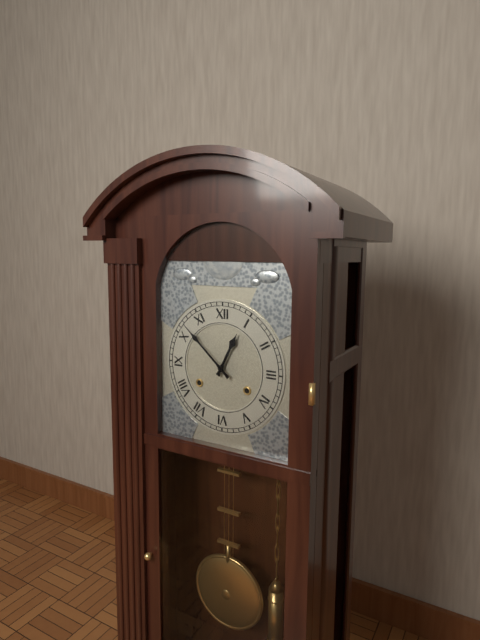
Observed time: 12.52
